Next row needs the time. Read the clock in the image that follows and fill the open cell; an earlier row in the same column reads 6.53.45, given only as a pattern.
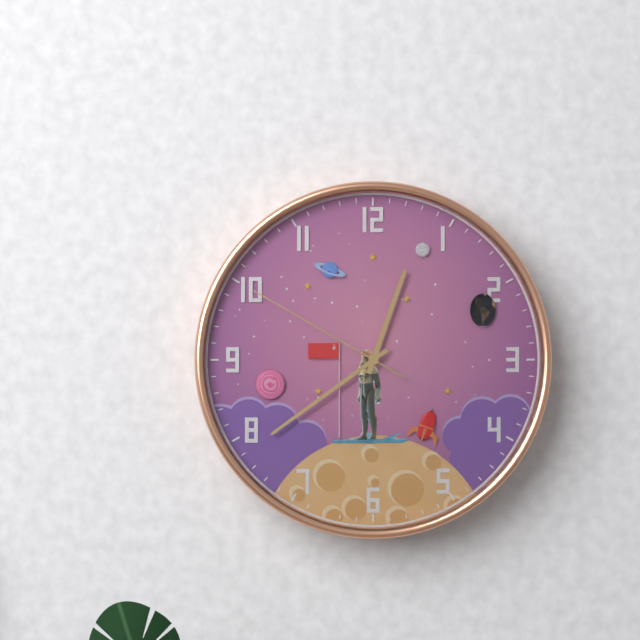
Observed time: 12.39.50
